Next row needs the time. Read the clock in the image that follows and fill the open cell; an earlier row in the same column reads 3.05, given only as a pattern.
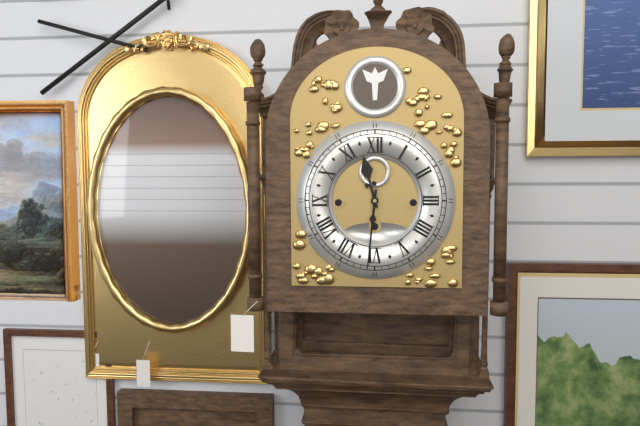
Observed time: 11.31
